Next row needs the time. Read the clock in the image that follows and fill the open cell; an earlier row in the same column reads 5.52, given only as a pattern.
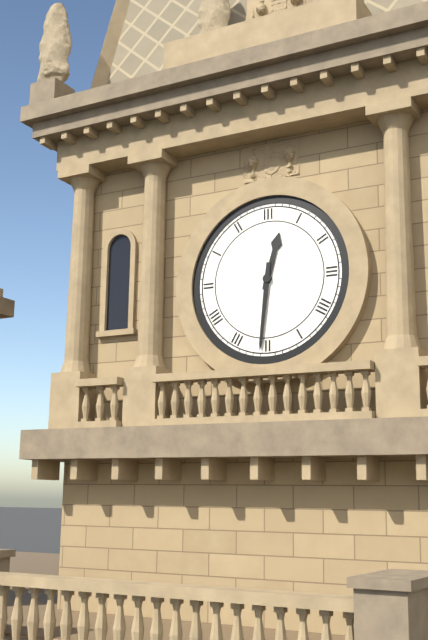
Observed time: 12.31
